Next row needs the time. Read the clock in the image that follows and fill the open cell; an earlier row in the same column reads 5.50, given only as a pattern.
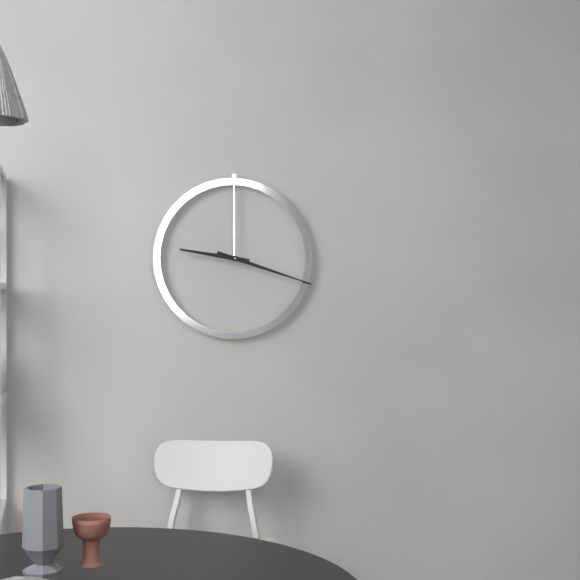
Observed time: 9.18
